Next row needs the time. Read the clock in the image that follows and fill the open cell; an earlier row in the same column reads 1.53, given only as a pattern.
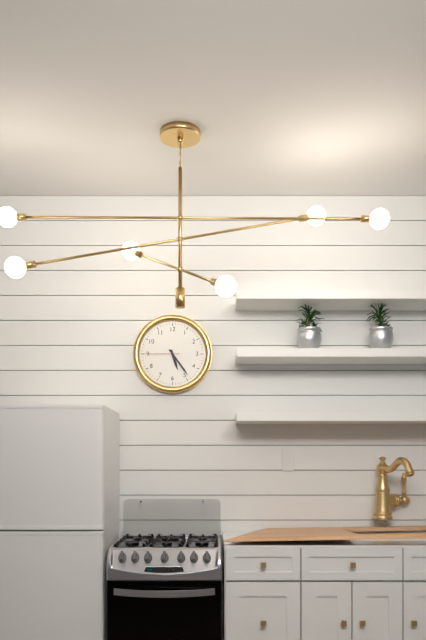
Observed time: 5.24
